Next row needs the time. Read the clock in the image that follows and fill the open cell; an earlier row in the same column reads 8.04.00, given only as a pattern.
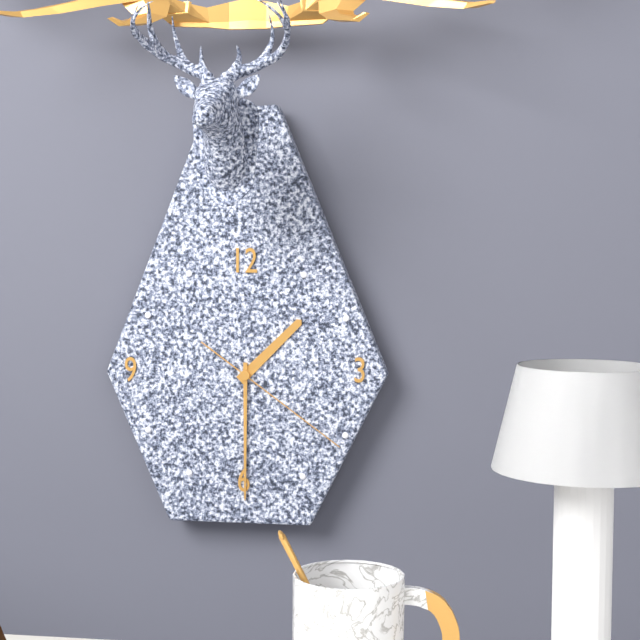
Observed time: 1.30.21
